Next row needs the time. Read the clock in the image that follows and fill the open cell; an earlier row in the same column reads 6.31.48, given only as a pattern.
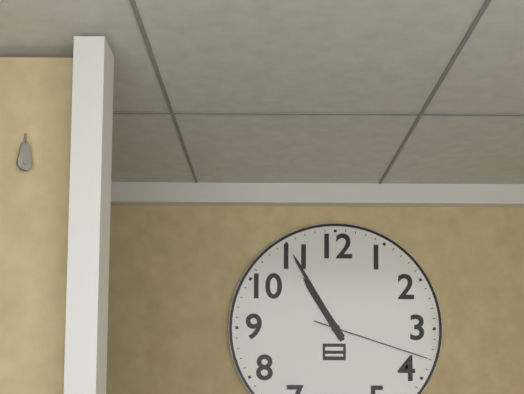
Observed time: 10.55.18
